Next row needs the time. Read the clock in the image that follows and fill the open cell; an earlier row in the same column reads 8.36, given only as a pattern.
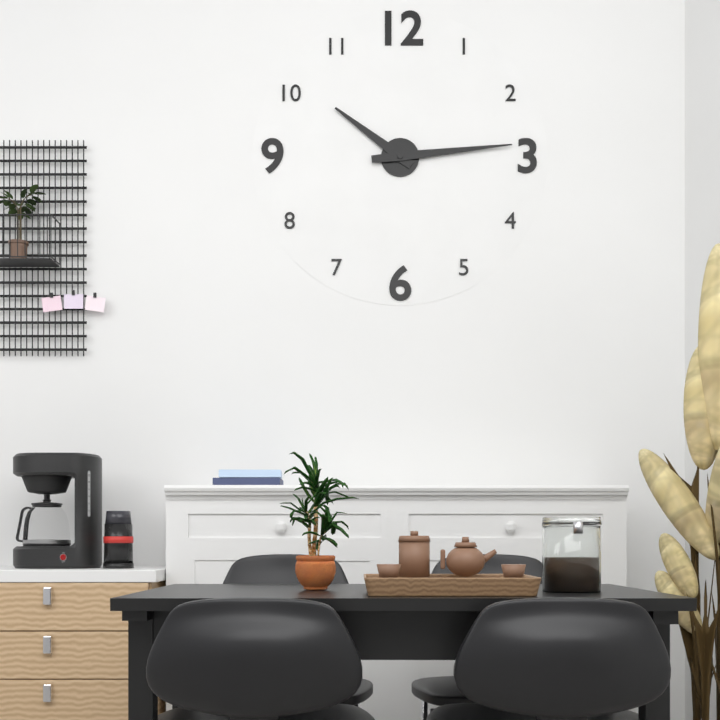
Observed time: 10.14
